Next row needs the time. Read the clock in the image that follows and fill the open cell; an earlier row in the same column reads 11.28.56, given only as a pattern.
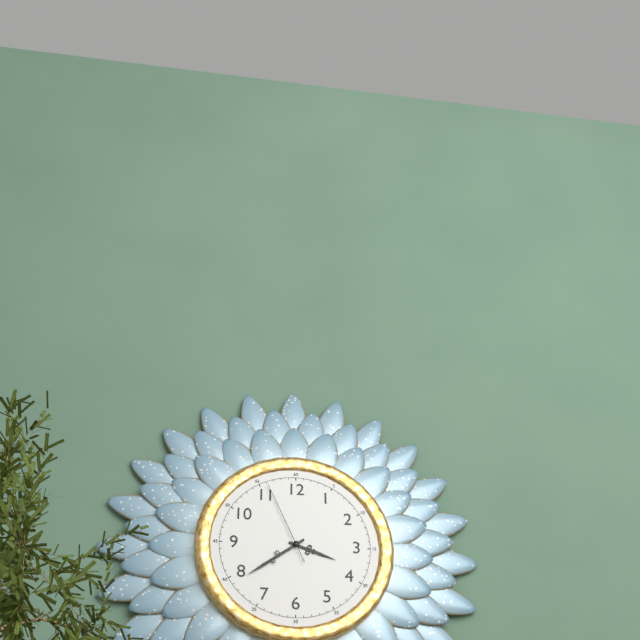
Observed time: 3.39.56
